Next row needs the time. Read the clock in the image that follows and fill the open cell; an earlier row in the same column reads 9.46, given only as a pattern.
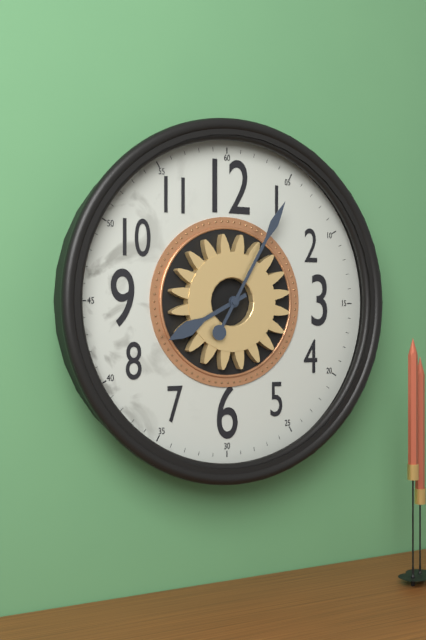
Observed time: 8.05
